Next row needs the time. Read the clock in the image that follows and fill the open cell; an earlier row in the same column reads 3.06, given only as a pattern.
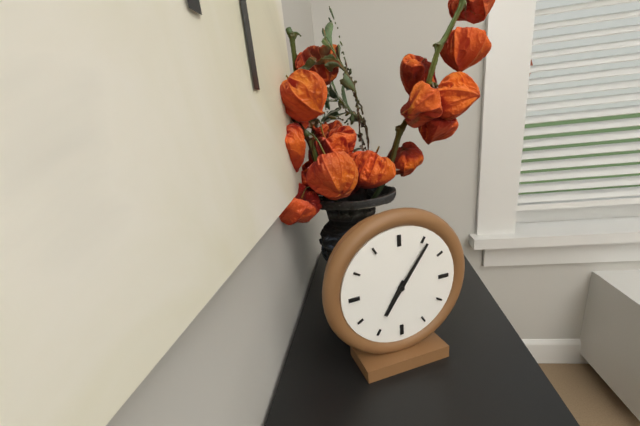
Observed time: 7.06
